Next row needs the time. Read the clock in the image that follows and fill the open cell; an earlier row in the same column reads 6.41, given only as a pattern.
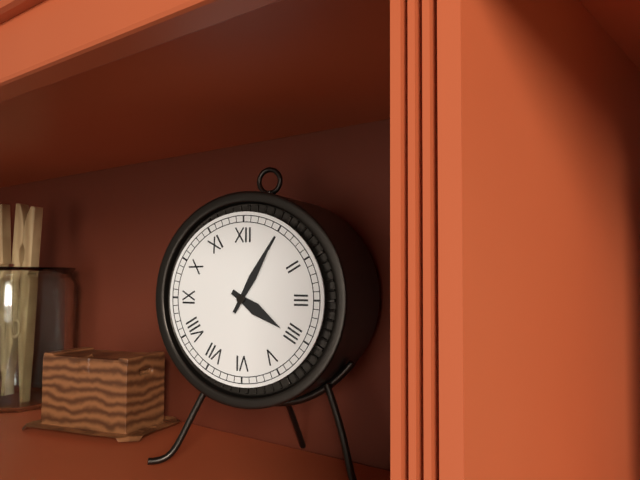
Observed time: 4.05
